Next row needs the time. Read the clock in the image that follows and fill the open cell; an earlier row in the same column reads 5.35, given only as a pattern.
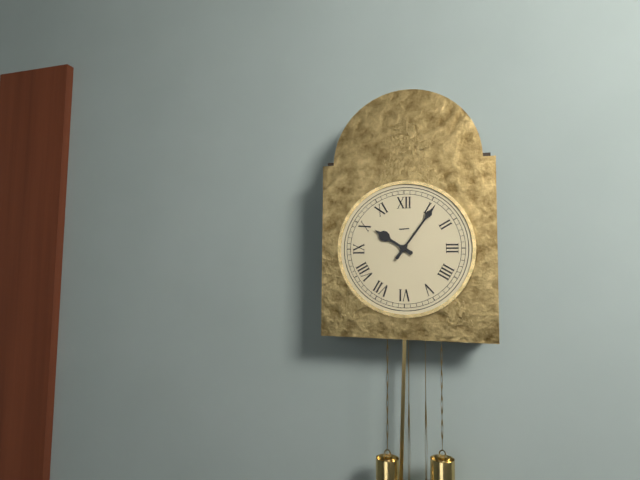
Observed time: 10.06
